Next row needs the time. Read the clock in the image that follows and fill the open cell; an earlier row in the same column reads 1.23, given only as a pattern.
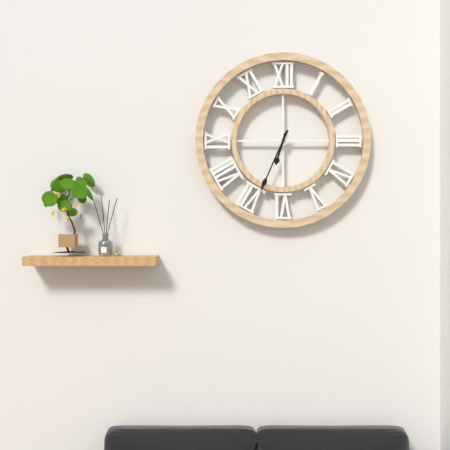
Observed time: 6.34
